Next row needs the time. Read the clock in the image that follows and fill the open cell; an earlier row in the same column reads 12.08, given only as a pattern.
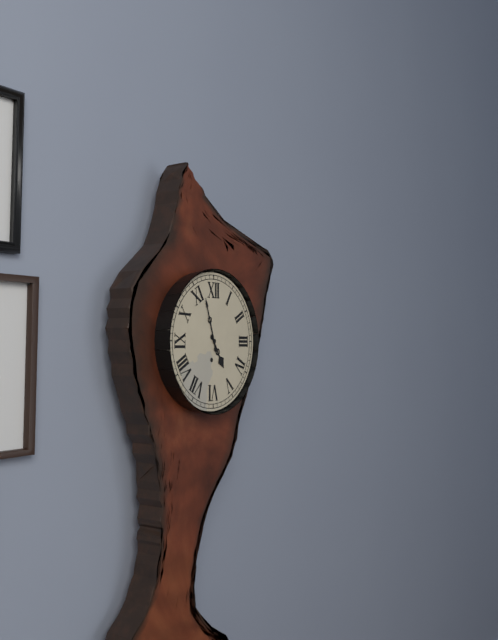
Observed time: 4.57
